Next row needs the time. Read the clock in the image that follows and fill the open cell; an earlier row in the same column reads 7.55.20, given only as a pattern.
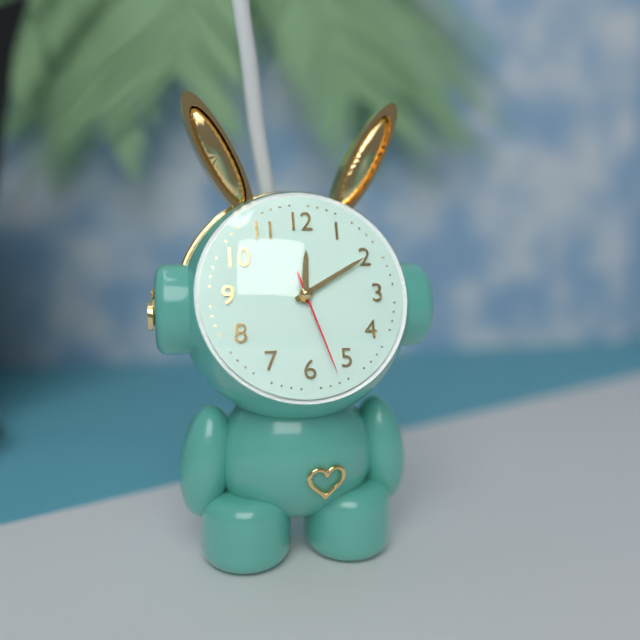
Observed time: 12.10.27
